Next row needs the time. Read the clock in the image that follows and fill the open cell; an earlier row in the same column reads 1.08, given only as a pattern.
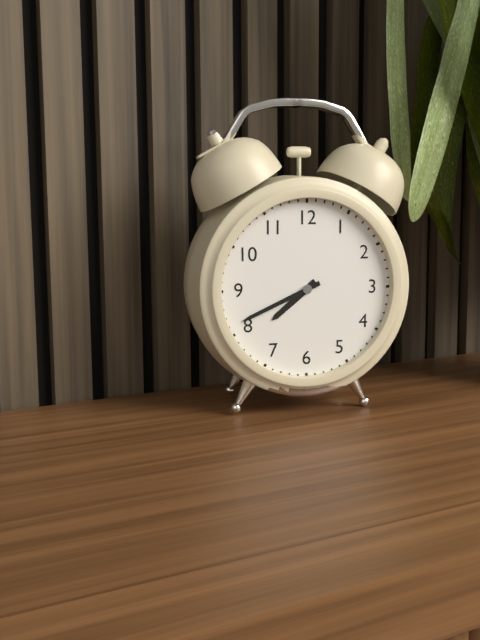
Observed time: 7.41
